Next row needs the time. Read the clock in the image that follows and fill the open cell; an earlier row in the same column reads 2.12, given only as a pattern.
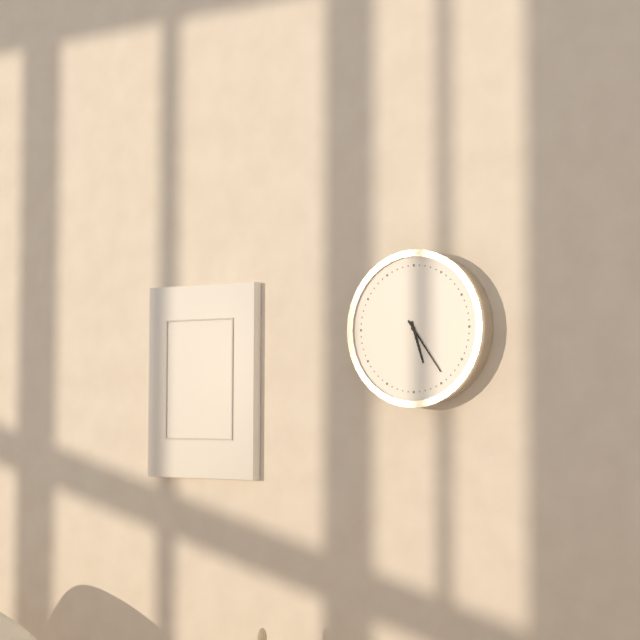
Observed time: 5.24
